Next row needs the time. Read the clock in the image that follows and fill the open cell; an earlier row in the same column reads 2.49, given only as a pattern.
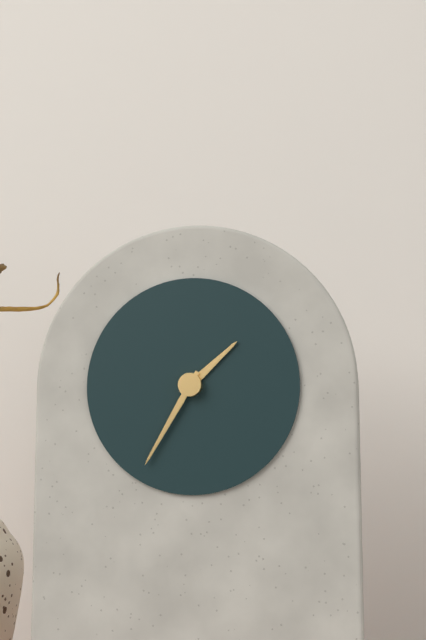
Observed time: 1.35
